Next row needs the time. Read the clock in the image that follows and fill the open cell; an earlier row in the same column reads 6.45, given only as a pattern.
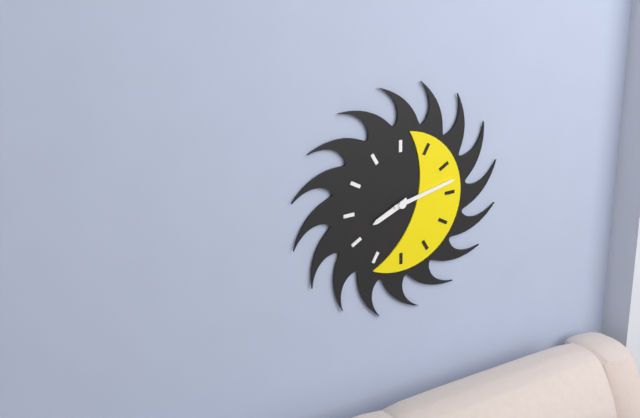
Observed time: 8.13
